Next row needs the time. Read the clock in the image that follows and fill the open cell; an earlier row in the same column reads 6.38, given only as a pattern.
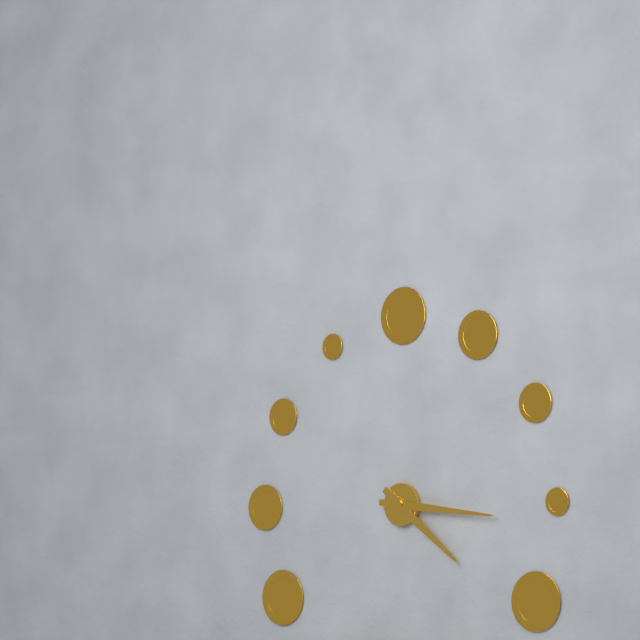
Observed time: 4.16
